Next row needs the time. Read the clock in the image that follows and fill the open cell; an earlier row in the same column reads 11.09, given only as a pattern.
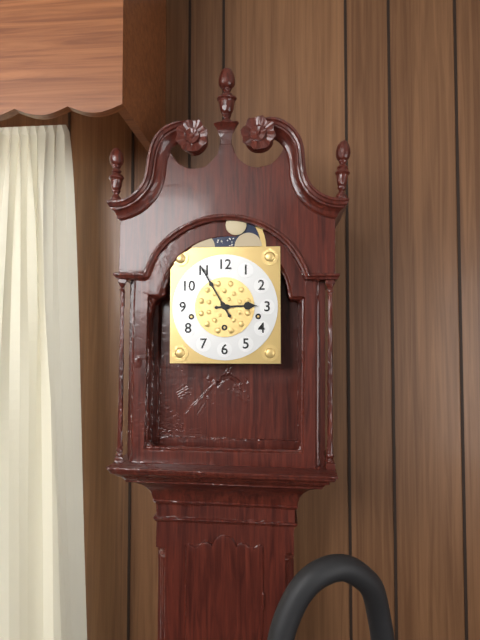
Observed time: 2.55
